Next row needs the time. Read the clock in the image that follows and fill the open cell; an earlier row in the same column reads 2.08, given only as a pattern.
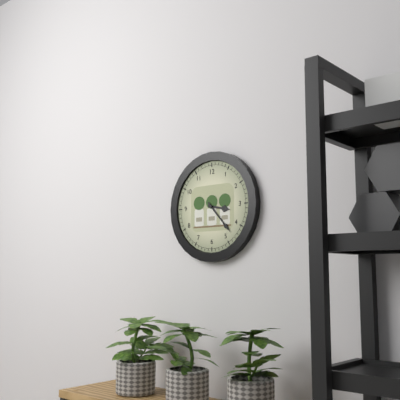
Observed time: 3.23
